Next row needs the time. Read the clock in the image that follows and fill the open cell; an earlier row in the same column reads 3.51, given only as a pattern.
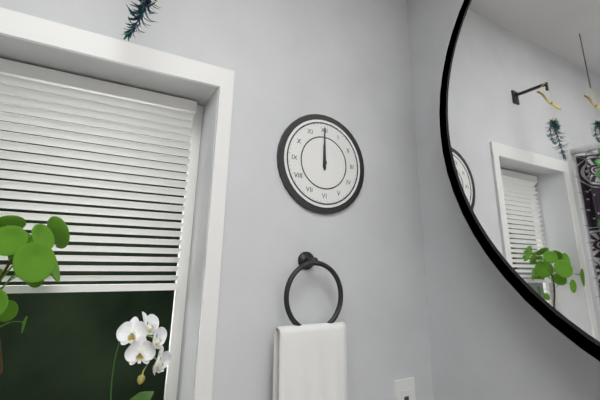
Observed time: 12.00
